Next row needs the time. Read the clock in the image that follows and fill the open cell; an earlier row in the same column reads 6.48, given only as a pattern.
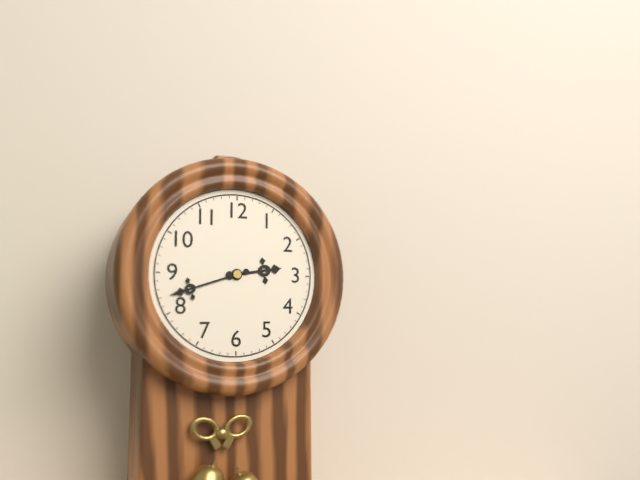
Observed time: 2.42
